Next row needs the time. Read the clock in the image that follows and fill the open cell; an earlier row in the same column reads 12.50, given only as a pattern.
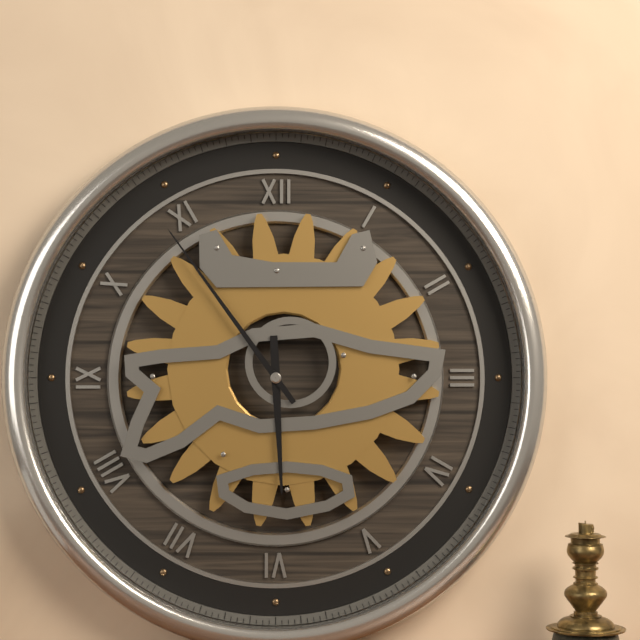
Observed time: 5.54
